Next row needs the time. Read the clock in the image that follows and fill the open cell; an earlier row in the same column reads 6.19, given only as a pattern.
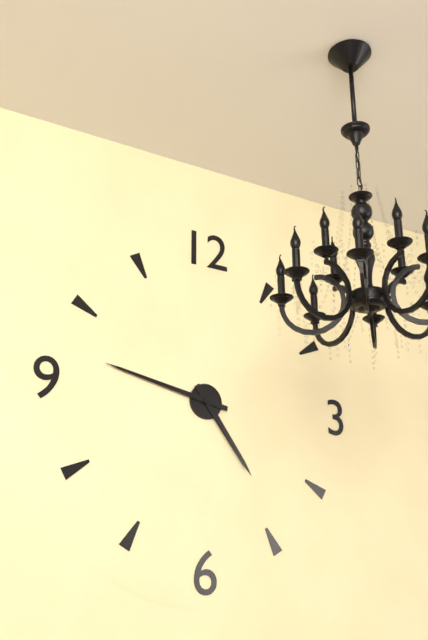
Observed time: 4.47
